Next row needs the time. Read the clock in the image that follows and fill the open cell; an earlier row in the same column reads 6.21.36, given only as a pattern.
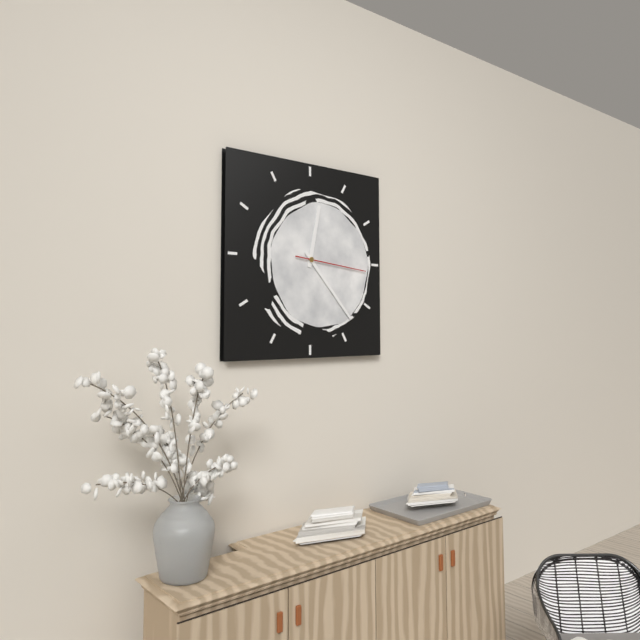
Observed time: 12.23.16
